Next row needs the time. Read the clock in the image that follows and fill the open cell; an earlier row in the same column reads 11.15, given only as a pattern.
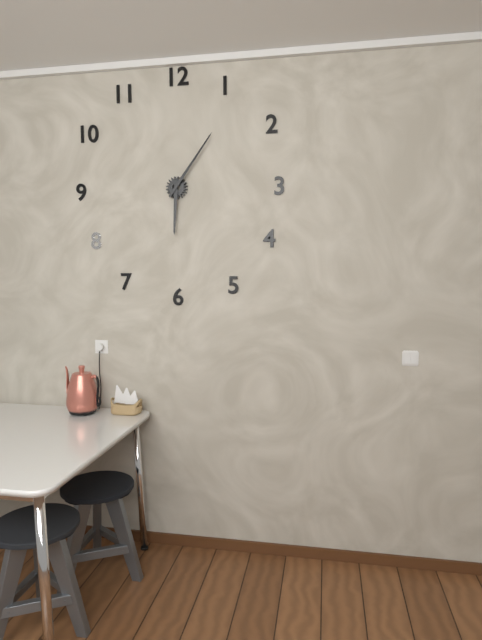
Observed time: 6.06
